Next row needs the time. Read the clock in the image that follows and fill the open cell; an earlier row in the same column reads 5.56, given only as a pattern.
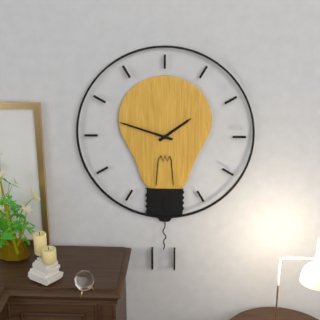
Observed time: 1.48
